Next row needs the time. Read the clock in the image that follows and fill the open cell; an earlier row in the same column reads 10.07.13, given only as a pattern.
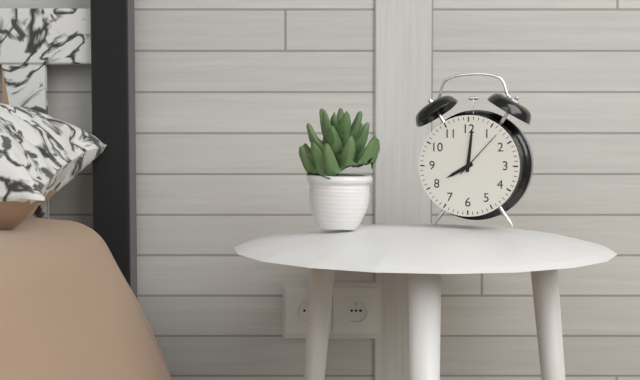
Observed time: 8.01.07
